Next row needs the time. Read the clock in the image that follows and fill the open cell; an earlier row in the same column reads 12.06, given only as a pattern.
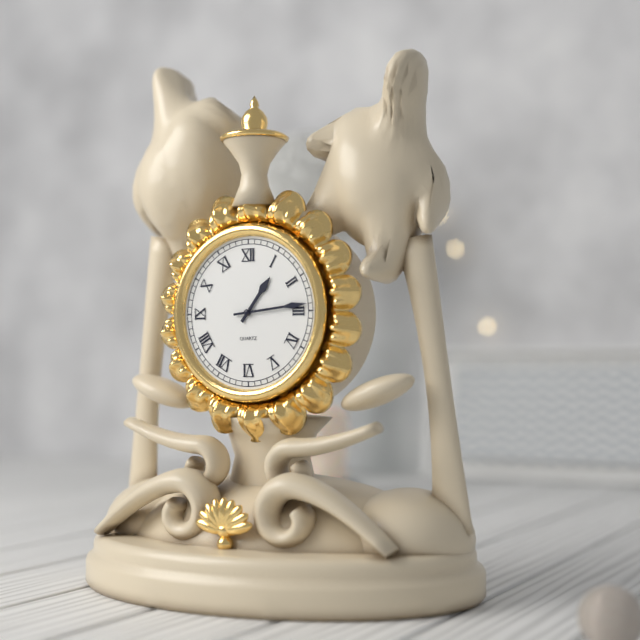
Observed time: 1.14
